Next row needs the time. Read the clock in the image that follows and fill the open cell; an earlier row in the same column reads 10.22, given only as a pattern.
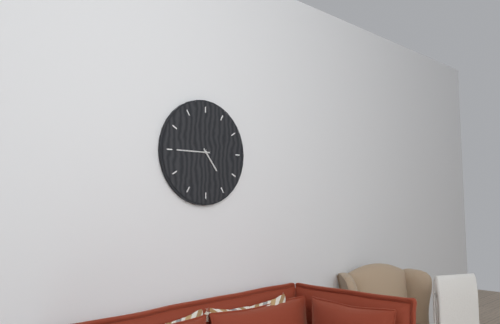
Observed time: 4.45
